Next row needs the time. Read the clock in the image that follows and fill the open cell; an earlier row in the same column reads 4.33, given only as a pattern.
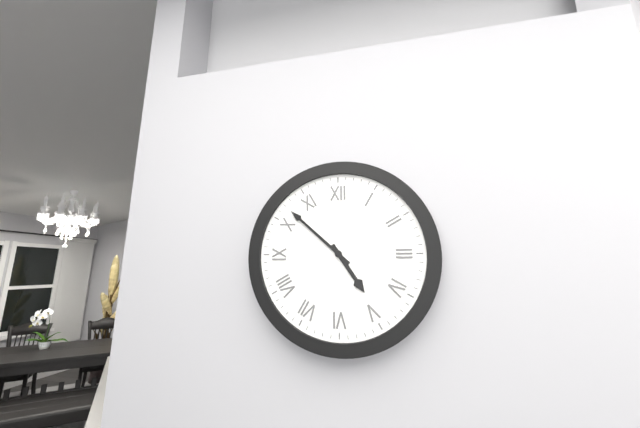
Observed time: 4.52
